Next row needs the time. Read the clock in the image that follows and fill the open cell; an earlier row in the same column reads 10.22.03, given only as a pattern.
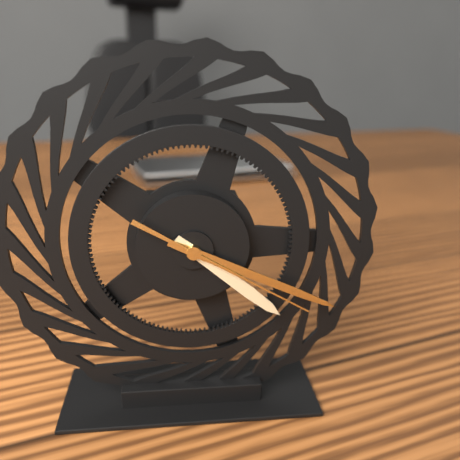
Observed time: 4.19.20
